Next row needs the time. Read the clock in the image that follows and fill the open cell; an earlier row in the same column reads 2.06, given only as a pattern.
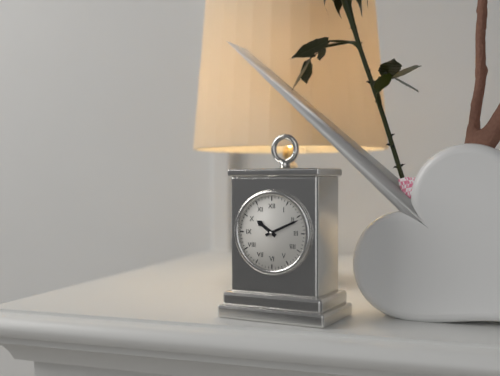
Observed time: 10.11
